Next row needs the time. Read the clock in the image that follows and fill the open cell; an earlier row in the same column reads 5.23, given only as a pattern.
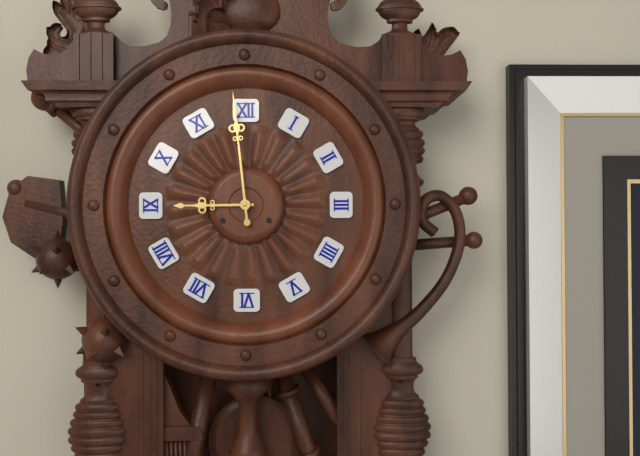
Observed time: 8.59
